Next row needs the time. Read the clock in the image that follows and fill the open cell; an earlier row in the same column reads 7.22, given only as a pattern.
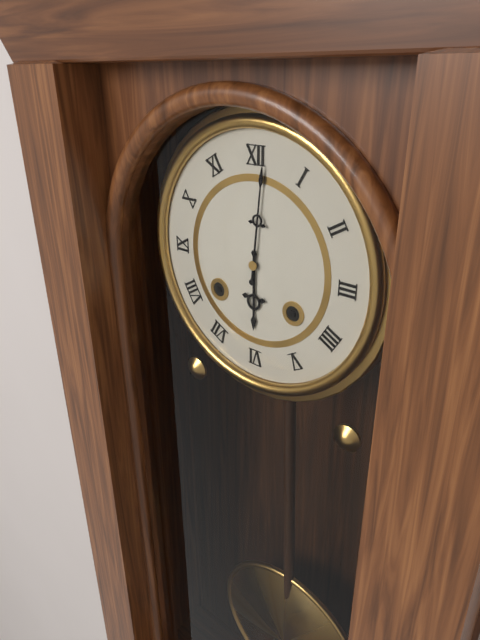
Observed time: 6.01
